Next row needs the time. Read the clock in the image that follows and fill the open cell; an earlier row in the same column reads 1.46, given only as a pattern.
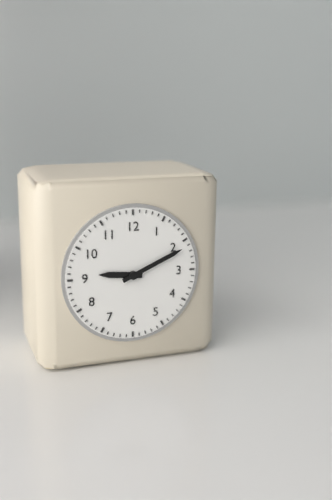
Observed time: 9.11
